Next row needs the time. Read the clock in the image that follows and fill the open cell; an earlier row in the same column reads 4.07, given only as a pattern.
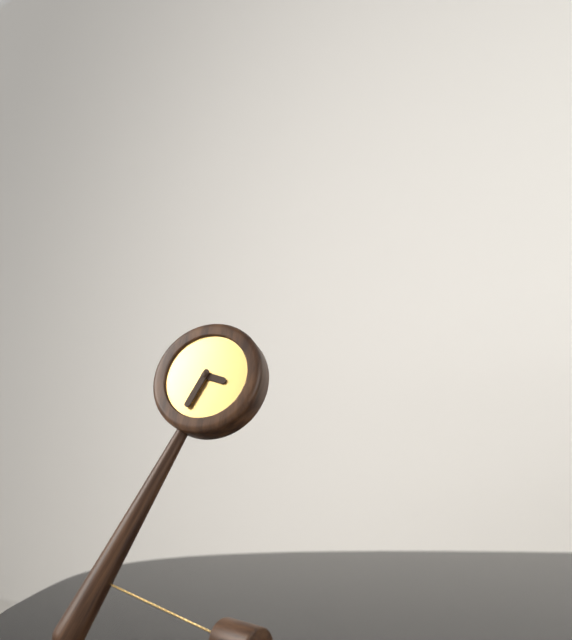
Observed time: 3.34
